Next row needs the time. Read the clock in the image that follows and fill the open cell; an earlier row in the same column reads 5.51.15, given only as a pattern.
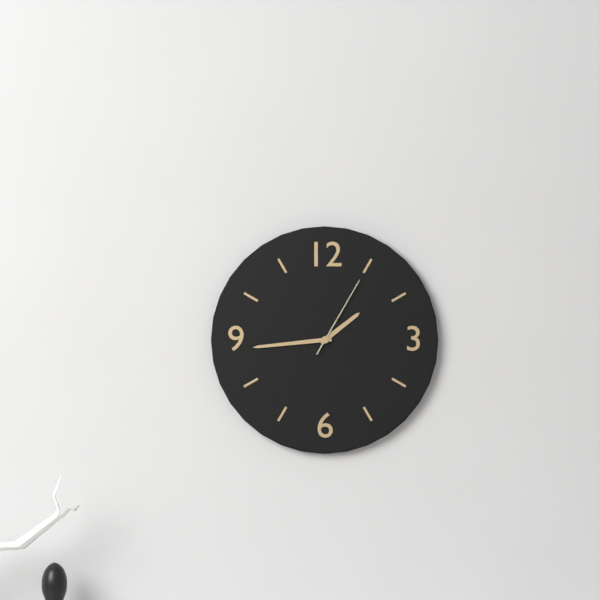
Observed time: 1.44.05
